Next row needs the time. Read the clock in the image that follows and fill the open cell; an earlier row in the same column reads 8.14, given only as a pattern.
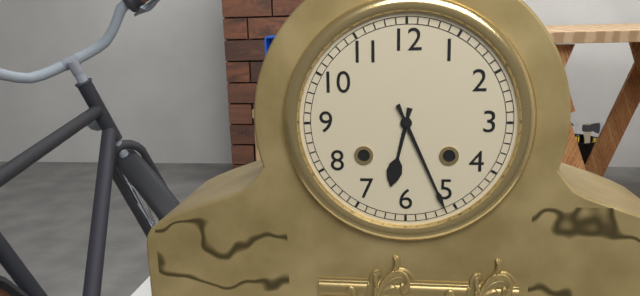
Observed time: 6.26
